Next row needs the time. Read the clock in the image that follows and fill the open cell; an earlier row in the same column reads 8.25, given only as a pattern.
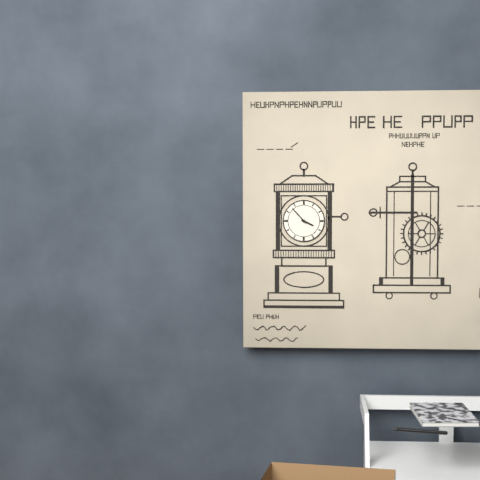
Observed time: 3.53
